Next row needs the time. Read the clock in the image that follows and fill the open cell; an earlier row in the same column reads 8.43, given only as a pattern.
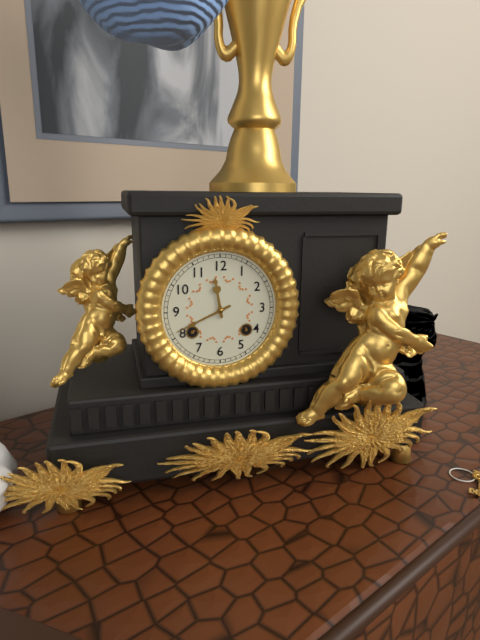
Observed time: 11.41
